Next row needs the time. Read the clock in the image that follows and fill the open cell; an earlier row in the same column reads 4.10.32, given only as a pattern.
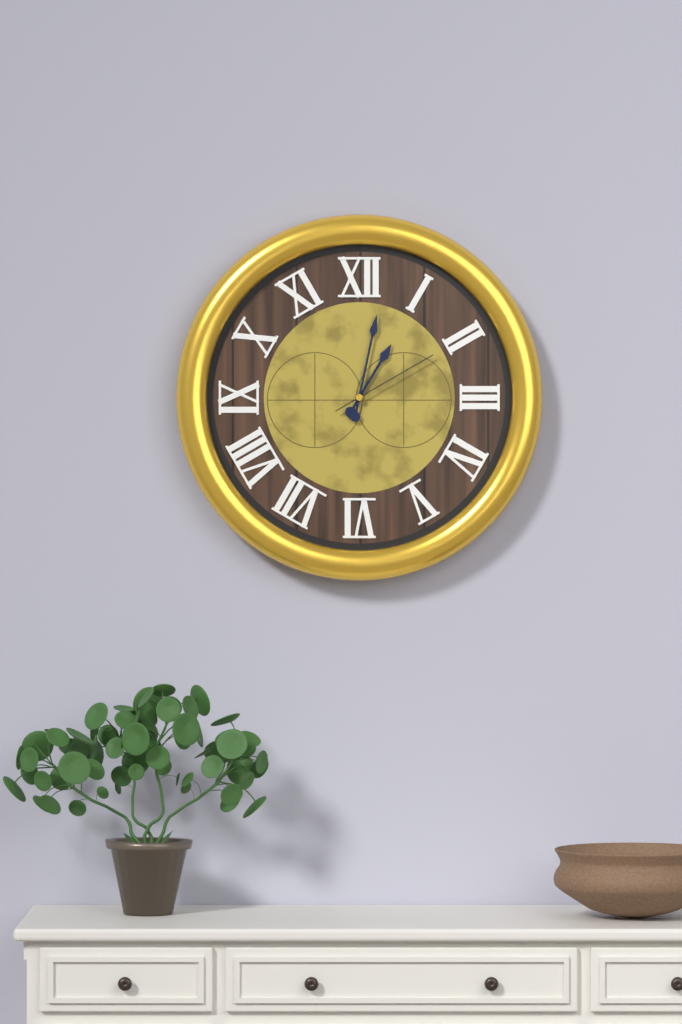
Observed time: 1.02.10
